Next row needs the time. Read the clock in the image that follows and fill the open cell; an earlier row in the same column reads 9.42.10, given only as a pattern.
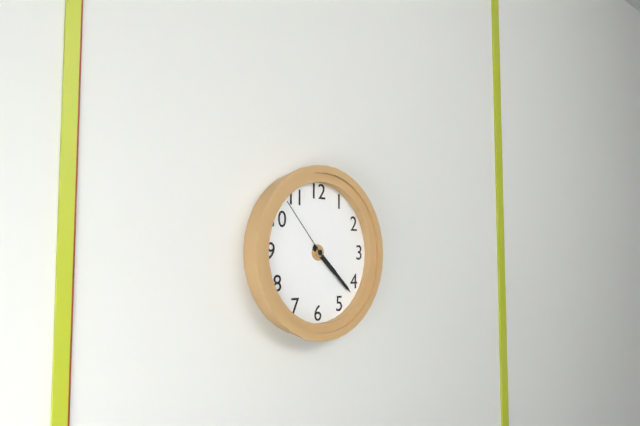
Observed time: 4.22.53
